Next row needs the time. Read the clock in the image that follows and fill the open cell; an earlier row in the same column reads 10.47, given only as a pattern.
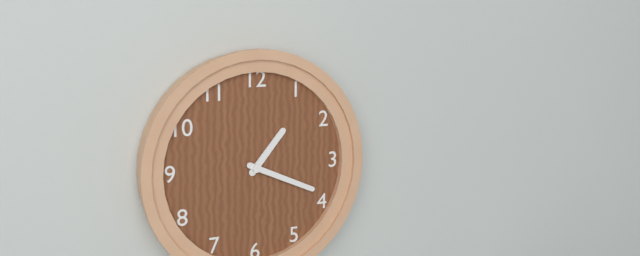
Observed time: 1.19
